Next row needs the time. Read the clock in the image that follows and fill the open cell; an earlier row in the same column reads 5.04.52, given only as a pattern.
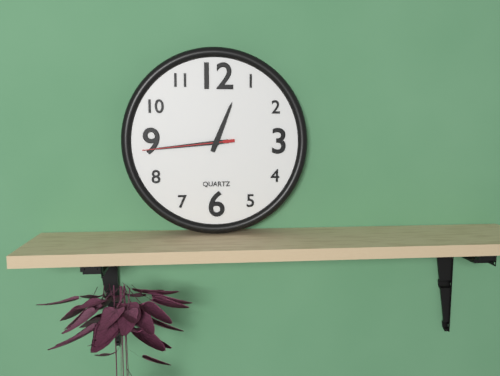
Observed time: 12.44.44
